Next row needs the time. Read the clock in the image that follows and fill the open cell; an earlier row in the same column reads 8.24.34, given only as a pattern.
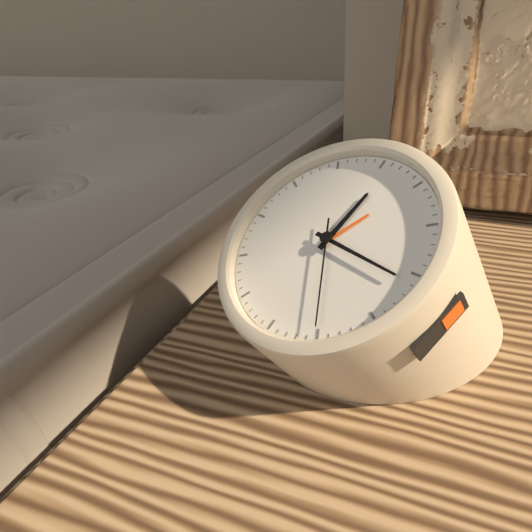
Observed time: 12.16.25
